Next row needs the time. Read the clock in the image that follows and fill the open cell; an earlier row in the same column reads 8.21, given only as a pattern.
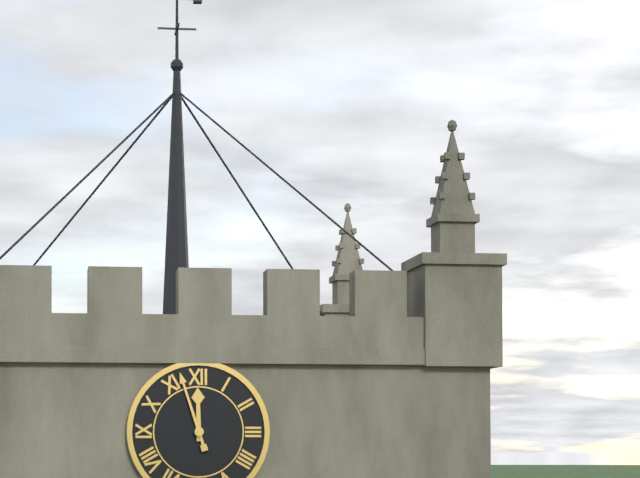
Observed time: 11.57
